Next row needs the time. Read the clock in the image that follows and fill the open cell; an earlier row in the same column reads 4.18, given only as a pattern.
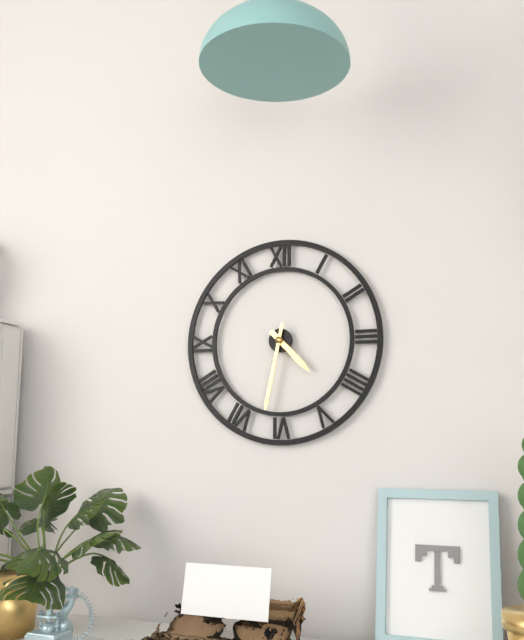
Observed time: 4.32
